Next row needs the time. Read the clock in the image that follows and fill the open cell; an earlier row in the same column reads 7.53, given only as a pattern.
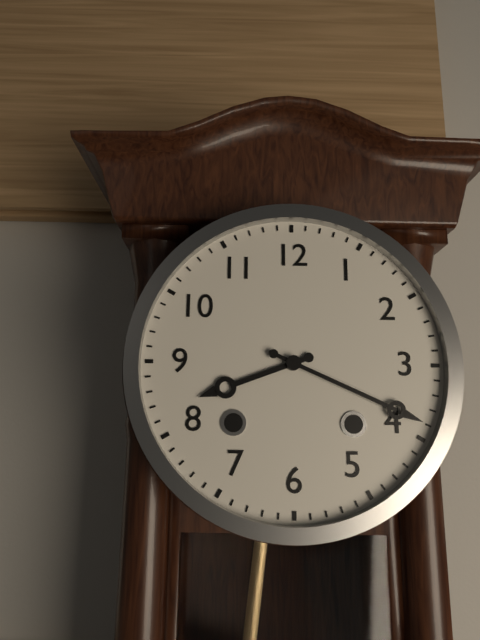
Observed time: 8.19
